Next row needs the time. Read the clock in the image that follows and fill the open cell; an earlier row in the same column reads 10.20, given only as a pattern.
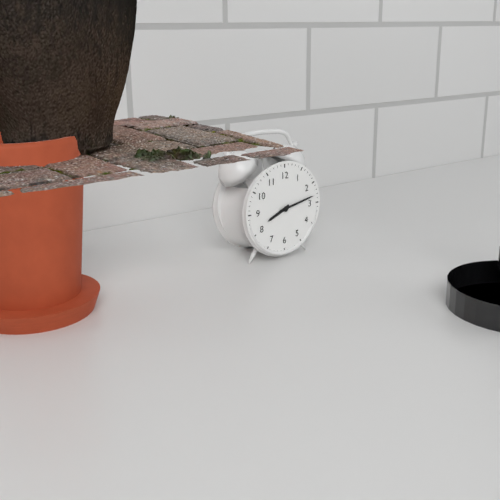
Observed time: 8.13
